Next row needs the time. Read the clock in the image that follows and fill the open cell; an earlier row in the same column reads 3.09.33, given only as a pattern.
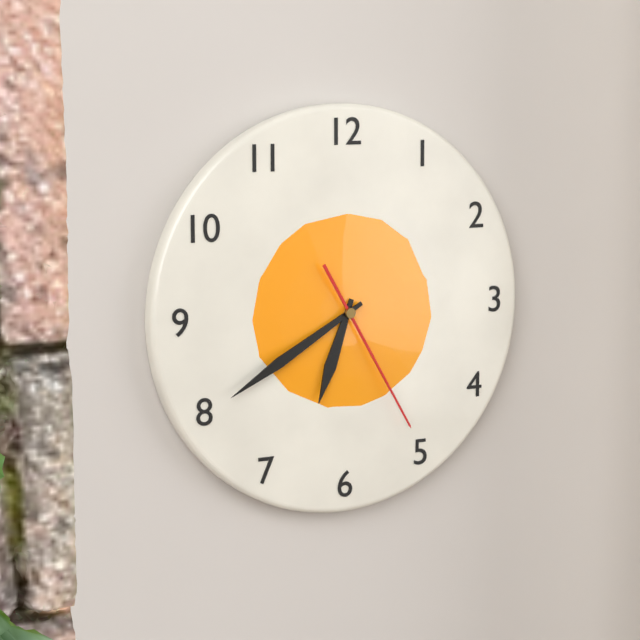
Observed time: 6.40.25
